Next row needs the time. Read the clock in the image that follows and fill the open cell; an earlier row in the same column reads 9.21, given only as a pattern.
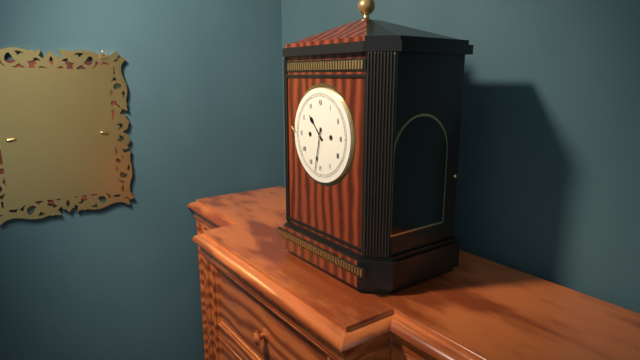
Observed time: 10.32
